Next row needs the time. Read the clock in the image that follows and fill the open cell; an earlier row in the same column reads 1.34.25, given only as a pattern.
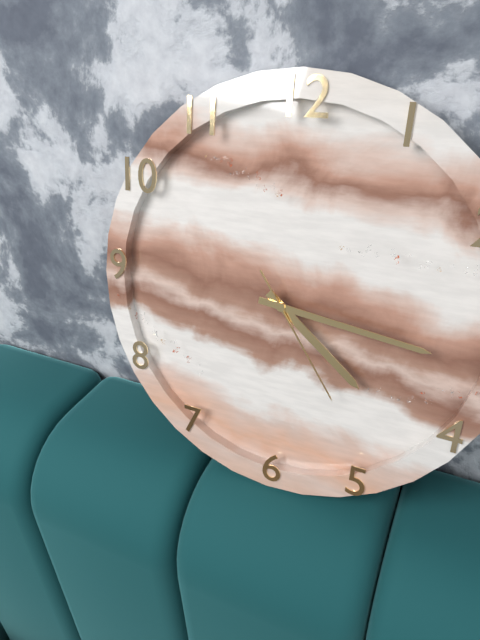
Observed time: 4.16.24
